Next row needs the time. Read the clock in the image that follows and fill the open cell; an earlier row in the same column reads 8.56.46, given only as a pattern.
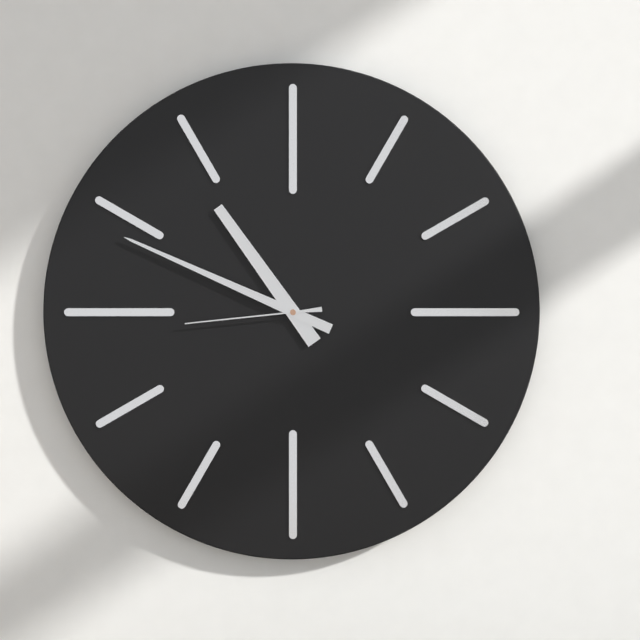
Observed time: 10.49.44
